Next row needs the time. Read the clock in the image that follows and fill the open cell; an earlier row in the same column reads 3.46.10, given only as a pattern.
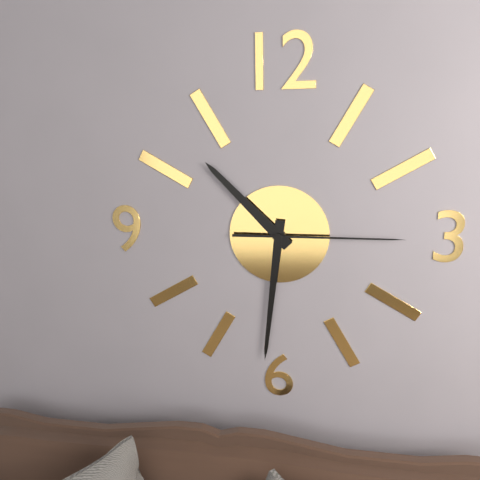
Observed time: 10.31.15
